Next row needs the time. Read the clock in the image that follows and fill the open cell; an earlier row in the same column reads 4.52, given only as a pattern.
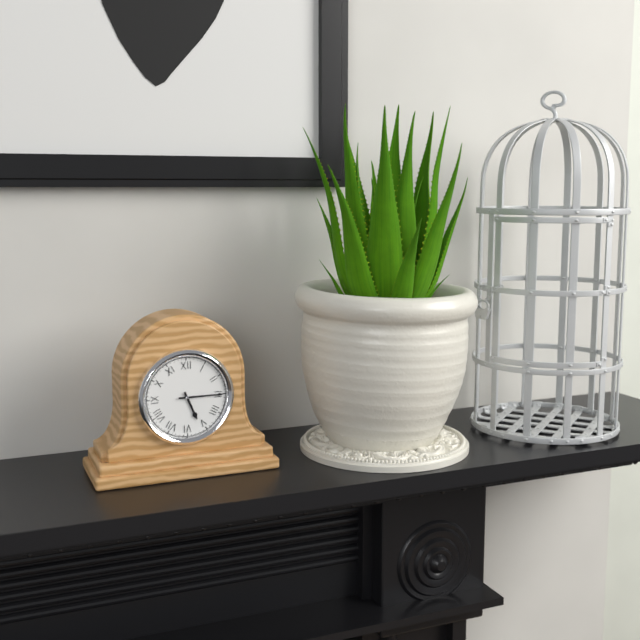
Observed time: 5.15
